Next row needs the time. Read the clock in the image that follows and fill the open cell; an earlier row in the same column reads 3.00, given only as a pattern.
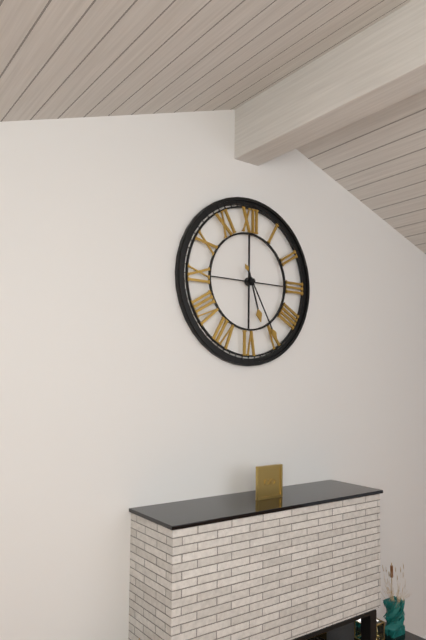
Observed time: 5.25
